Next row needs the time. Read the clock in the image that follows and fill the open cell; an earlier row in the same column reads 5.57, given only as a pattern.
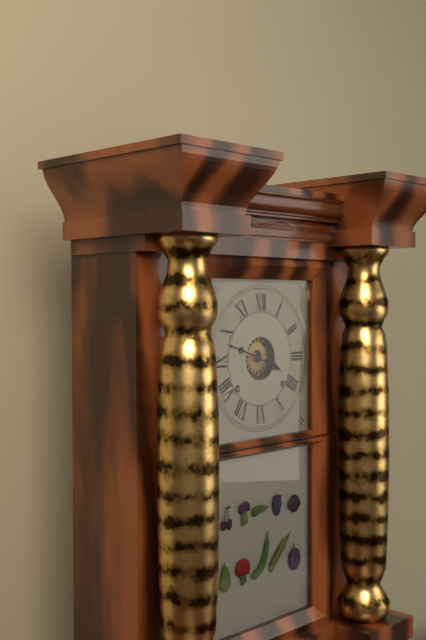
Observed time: 3.48
